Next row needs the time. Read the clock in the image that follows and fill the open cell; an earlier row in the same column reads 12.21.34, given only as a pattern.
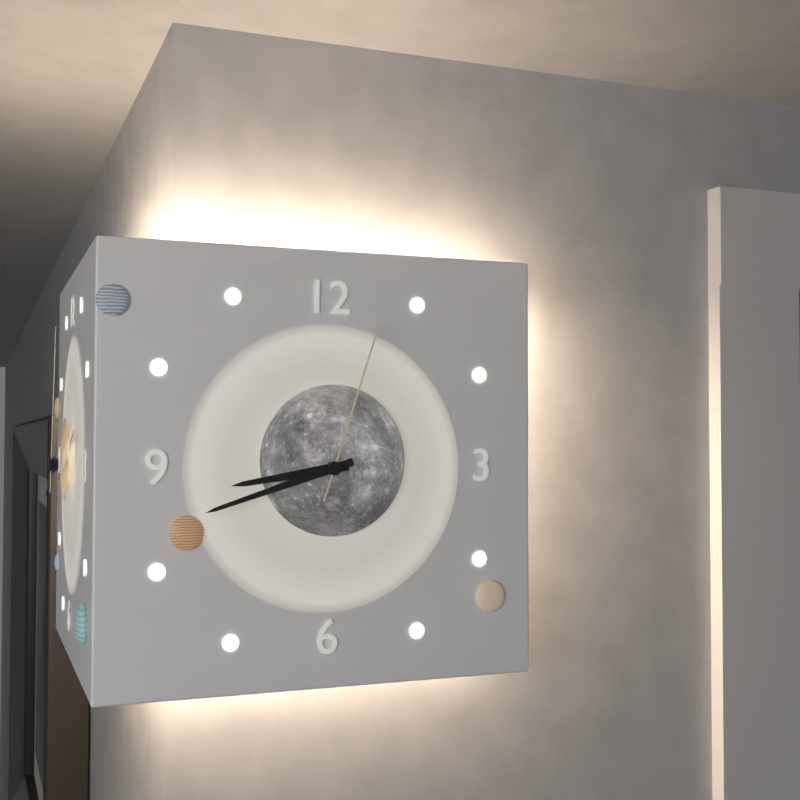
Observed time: 8.42.03
